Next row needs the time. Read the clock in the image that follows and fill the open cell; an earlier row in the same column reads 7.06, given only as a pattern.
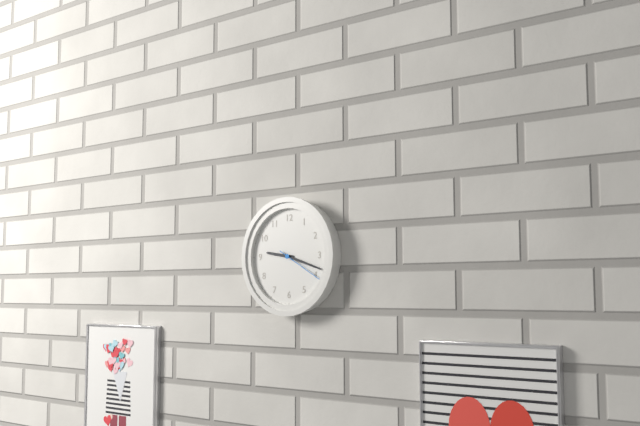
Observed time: 9.18
